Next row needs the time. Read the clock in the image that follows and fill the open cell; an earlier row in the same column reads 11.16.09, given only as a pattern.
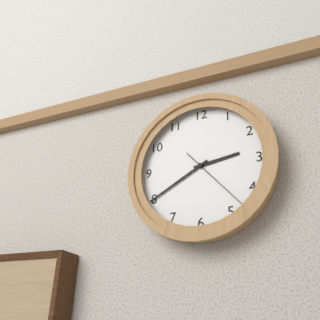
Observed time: 2.40.23
